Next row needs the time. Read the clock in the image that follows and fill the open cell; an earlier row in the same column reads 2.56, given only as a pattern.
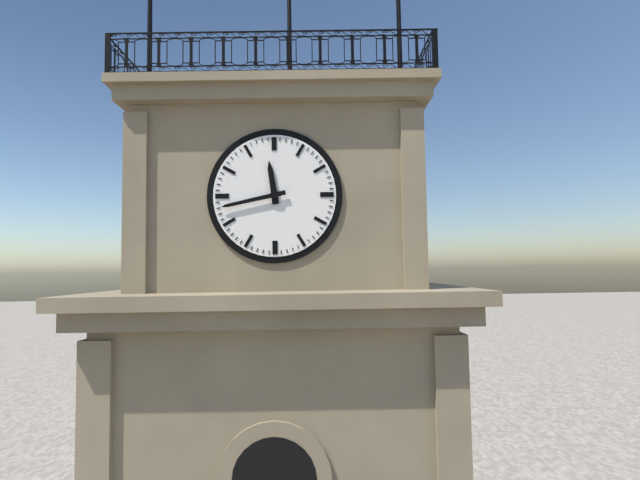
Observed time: 11.43
